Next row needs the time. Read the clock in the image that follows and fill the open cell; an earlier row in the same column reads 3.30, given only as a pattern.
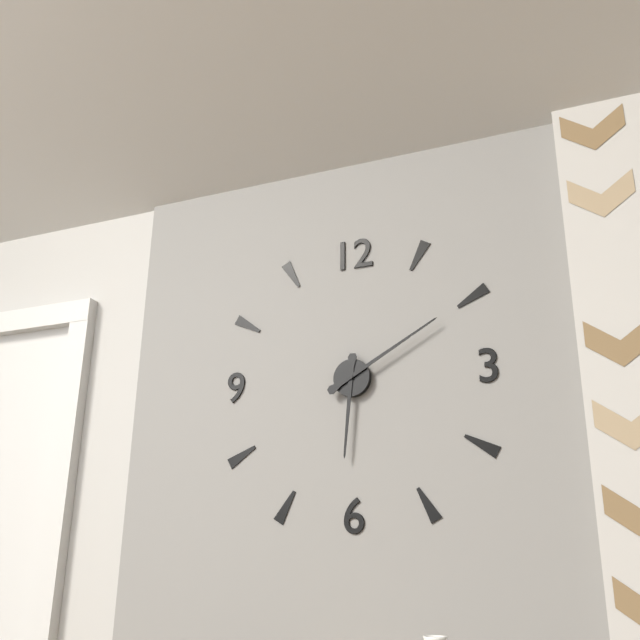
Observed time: 6.10
